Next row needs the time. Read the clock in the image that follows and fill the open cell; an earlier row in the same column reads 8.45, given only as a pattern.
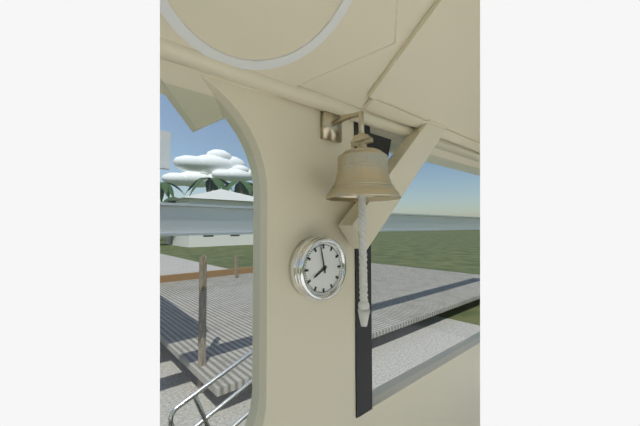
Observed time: 7.58
